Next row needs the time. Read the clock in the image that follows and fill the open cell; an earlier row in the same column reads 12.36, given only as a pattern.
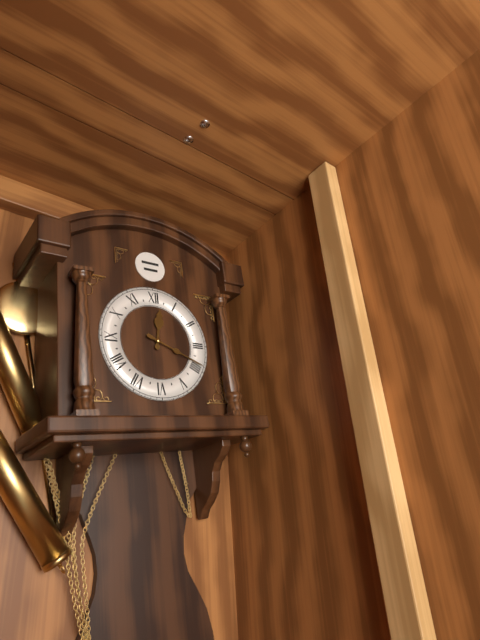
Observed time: 12.19
